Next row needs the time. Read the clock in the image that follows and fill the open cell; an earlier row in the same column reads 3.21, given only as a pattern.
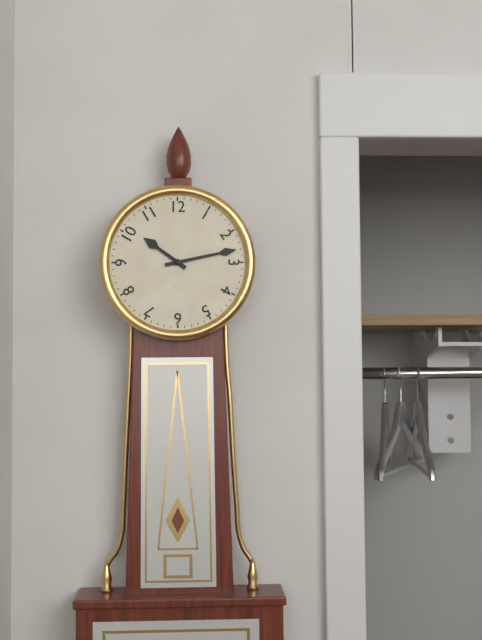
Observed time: 10.13
